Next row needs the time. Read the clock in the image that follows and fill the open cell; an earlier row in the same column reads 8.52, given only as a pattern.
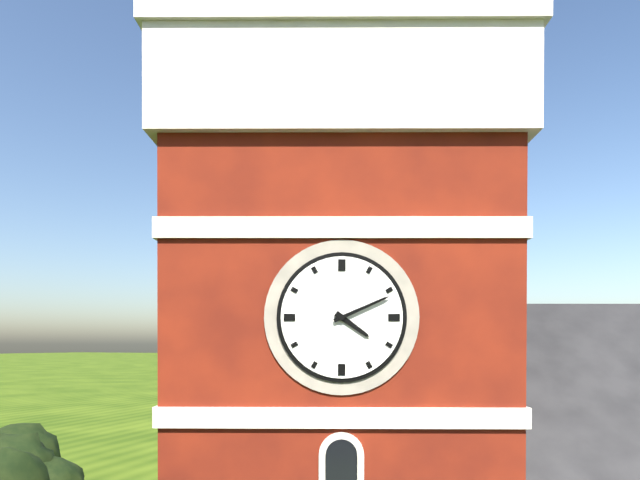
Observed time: 4.11
